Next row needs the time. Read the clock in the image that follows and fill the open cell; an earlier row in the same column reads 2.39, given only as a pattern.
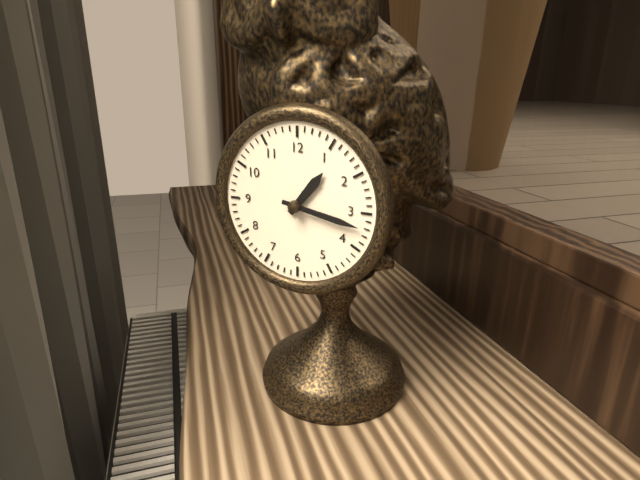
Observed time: 1.17
